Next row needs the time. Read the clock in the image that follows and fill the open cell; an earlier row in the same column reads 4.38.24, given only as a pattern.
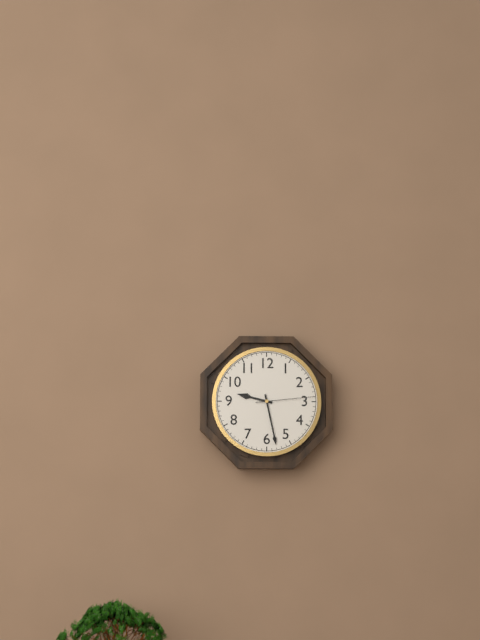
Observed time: 9.28.14
